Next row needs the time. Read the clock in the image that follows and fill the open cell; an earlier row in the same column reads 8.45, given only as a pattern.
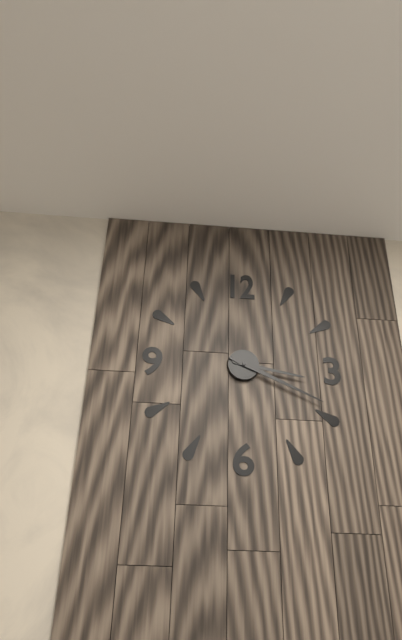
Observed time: 3.19
